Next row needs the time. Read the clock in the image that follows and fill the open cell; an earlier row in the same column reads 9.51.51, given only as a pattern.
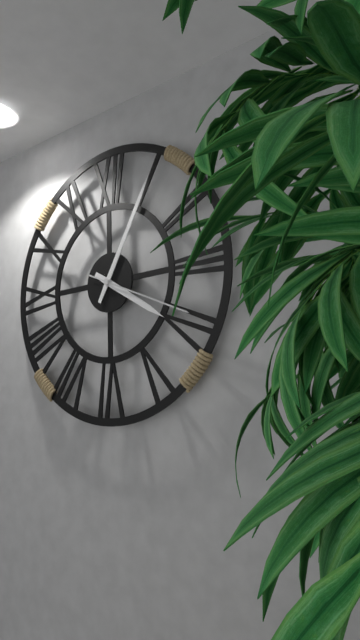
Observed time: 4.05.19
